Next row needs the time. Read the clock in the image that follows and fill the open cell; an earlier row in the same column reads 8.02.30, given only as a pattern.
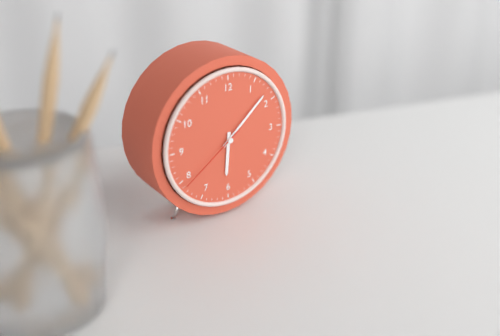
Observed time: 6.08.39
